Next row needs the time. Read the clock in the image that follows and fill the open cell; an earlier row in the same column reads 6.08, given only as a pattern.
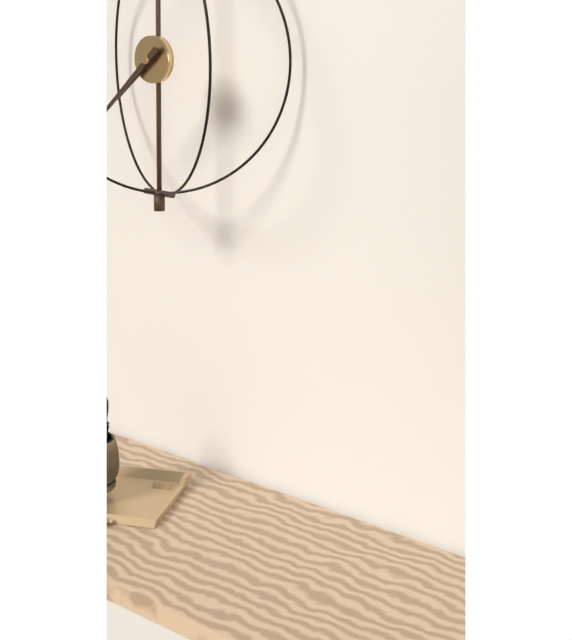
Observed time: 7.38
